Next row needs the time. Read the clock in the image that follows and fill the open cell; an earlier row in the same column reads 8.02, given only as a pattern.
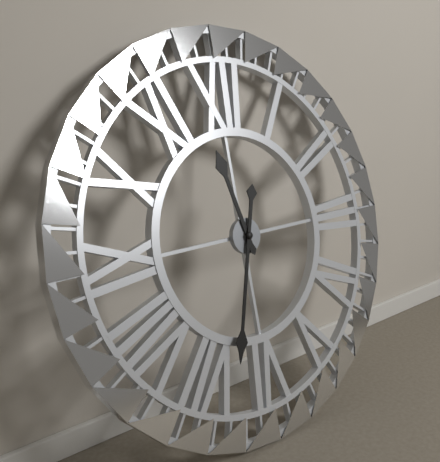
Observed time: 11.33
